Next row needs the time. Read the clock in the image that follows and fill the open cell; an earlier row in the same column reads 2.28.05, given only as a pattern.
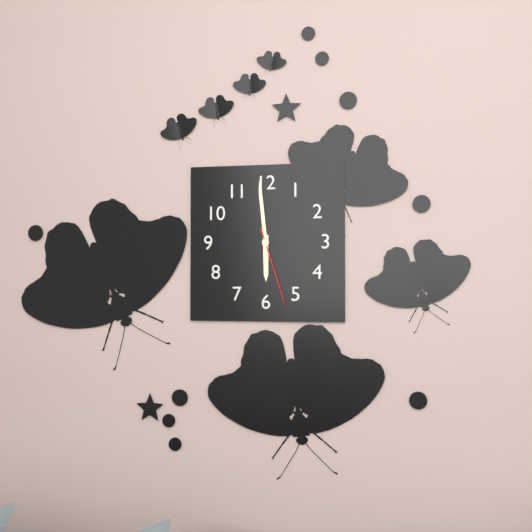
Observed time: 5.59.27
